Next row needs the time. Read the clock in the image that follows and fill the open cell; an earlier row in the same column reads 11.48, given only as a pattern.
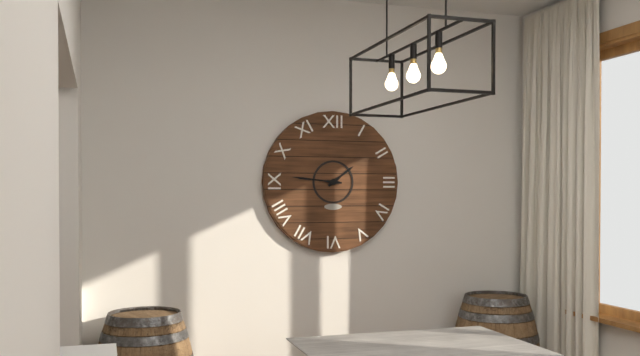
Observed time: 1.46
